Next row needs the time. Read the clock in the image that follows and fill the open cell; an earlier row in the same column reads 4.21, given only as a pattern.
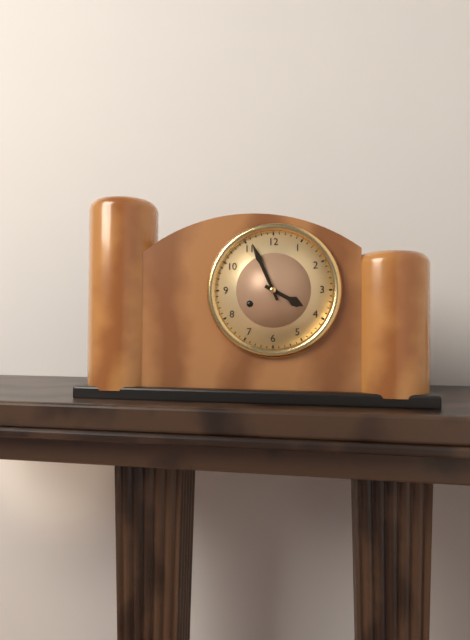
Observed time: 3.56
